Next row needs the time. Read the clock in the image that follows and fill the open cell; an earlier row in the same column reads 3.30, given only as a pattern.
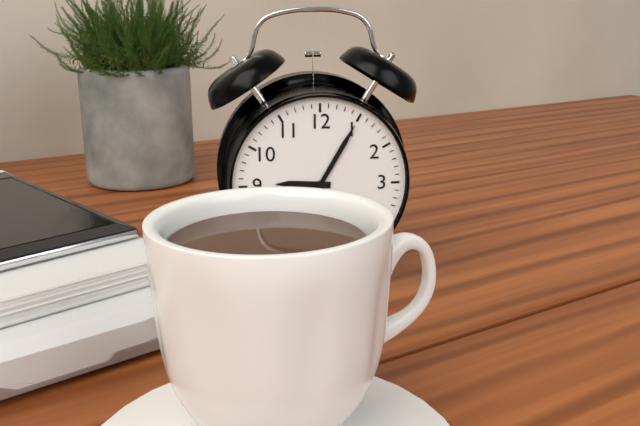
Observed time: 9.05
